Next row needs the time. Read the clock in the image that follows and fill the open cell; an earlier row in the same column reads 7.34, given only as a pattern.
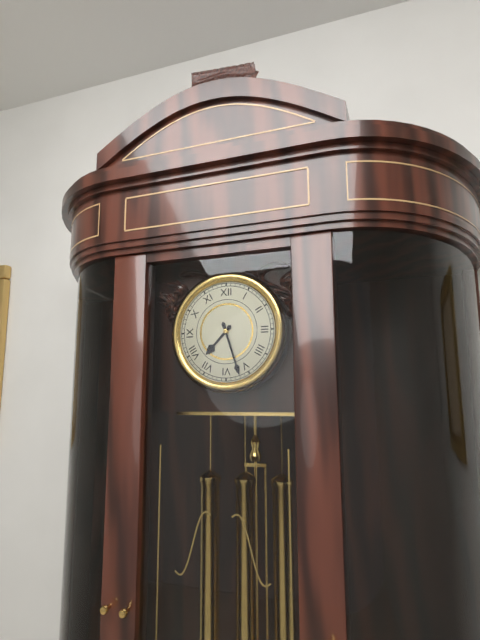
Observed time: 7.27
